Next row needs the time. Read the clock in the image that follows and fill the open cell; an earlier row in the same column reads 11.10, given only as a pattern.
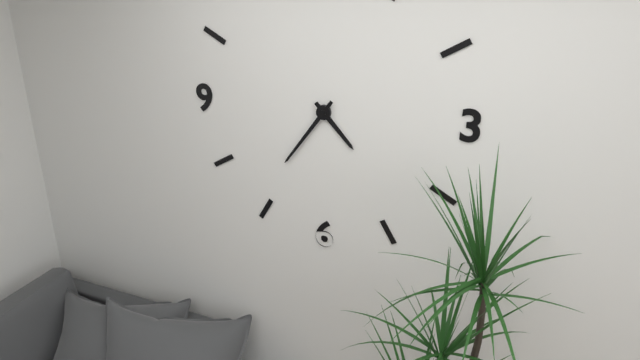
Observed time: 4.36
